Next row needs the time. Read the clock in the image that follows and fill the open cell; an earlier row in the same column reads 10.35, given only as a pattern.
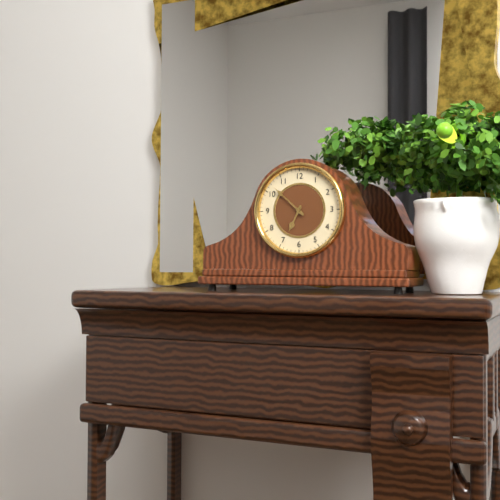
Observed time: 6.52
